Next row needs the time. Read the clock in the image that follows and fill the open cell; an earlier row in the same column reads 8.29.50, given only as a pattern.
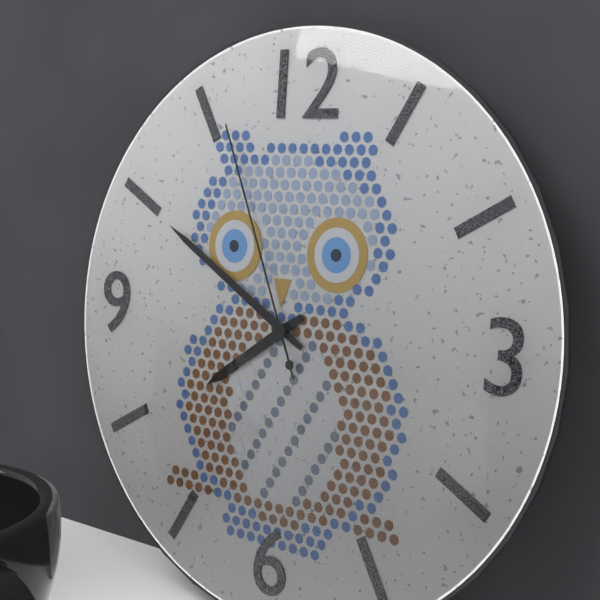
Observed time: 7.50.56
